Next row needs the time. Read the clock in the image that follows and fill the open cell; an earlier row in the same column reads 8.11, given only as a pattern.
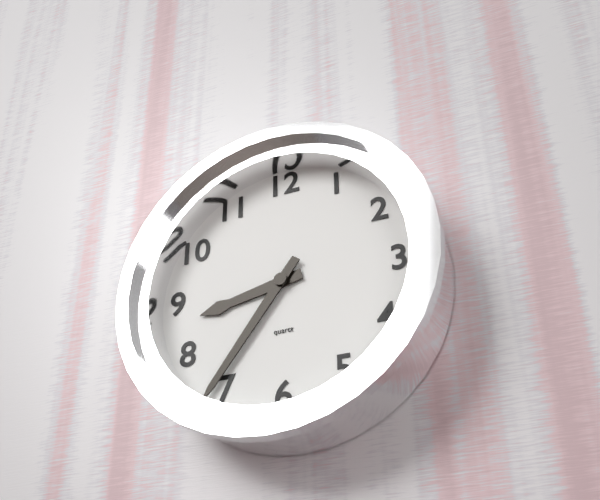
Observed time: 8.36
